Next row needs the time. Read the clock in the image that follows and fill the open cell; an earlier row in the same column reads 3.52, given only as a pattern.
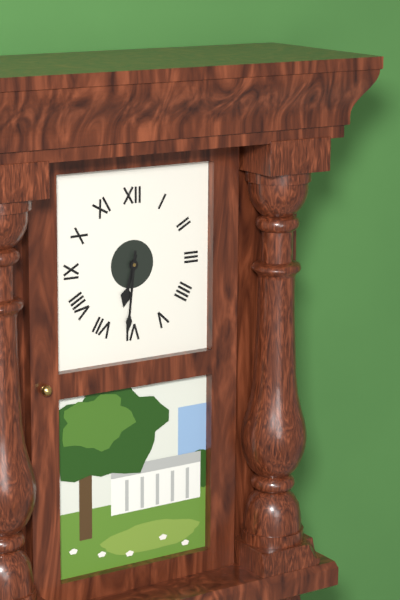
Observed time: 6.31
